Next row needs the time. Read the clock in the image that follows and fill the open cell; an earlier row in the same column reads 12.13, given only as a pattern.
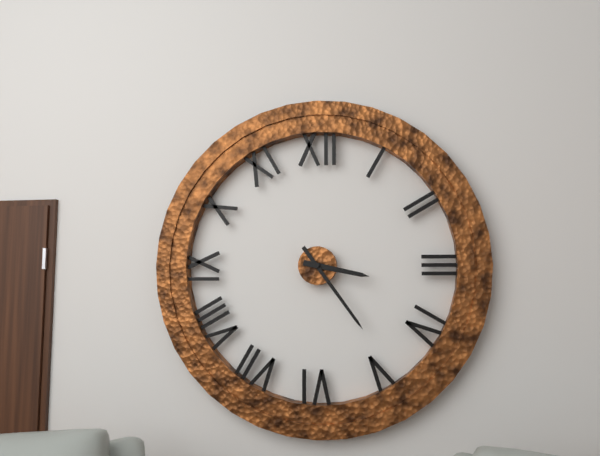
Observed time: 3.24
